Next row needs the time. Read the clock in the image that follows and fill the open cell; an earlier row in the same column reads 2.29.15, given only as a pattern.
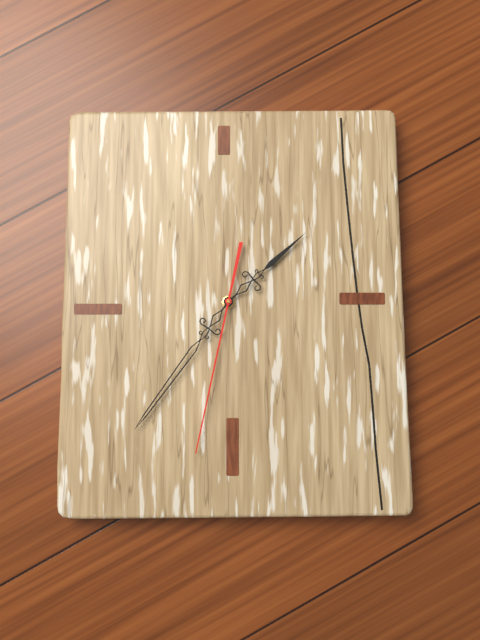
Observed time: 1.36.32
